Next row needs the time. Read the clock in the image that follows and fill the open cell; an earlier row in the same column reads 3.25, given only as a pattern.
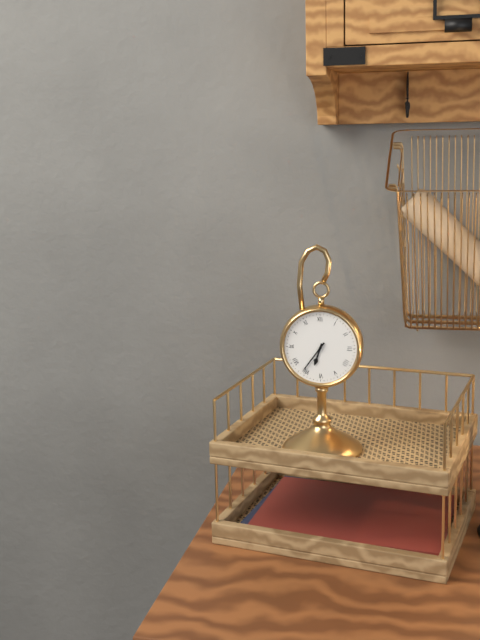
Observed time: 6.36
